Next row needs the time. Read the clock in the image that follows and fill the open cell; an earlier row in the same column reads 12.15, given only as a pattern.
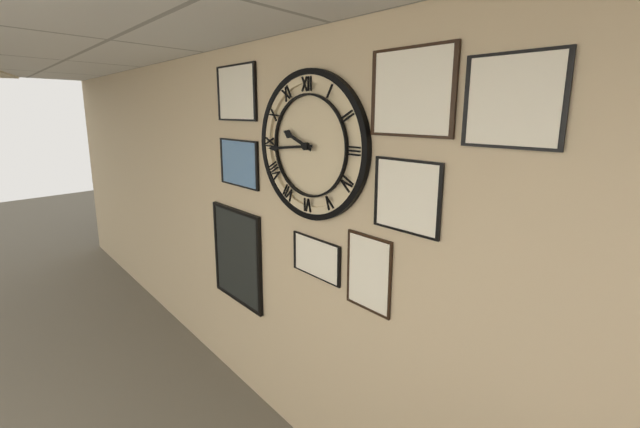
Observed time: 9.44
